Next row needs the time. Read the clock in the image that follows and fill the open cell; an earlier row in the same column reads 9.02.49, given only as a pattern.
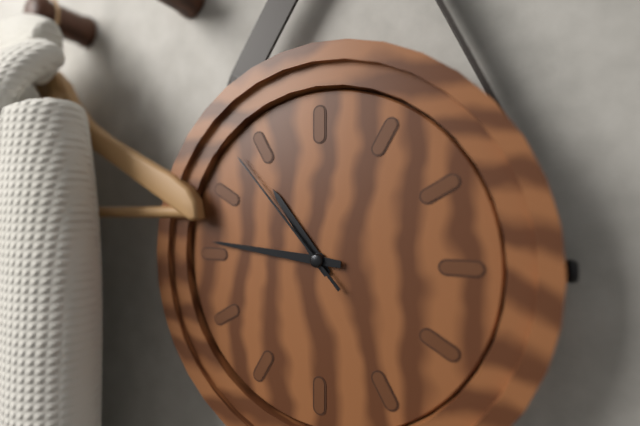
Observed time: 10.46.53
